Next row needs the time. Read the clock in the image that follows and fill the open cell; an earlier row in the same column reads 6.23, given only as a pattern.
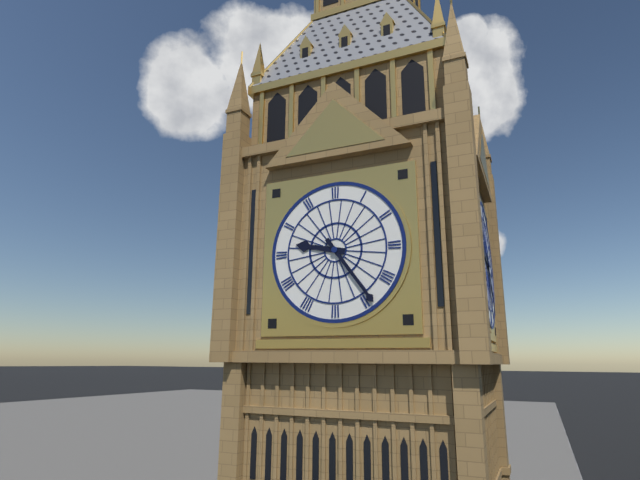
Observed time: 9.24
